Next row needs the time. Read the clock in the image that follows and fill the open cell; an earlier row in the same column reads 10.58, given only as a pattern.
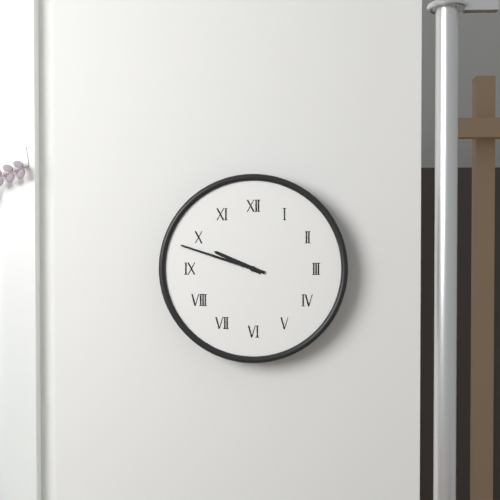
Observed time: 9.48
